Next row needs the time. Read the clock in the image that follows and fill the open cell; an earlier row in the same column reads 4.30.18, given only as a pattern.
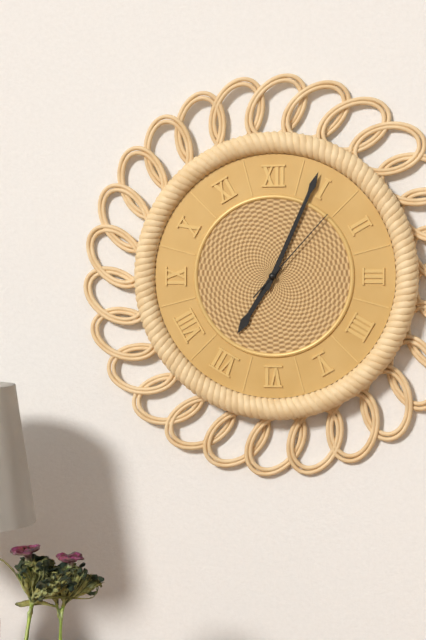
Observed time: 7.04.07
